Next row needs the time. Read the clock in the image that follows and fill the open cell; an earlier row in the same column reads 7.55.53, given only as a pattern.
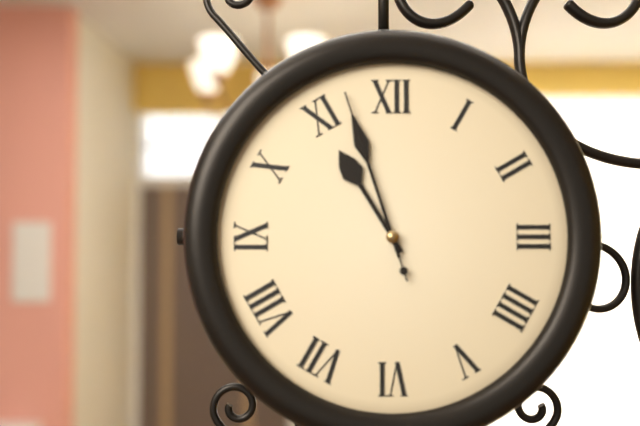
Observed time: 10.57.57
